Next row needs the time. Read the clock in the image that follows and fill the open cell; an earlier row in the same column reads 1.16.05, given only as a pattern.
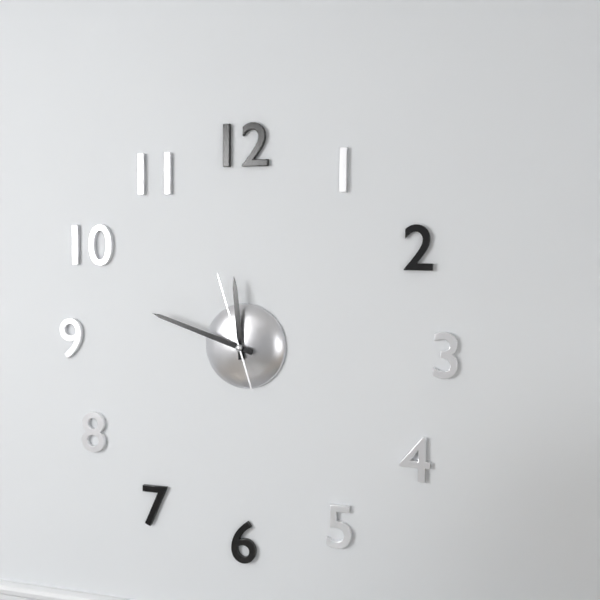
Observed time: 11.48.57
